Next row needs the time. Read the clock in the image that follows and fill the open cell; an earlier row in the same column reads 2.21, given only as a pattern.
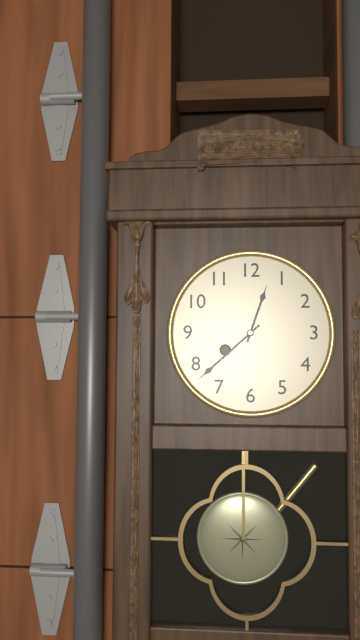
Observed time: 12.38
